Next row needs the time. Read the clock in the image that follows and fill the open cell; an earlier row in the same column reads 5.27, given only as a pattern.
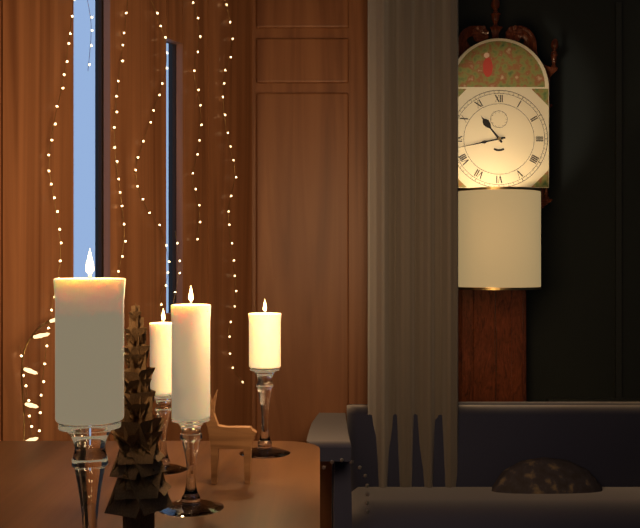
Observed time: 10.43
